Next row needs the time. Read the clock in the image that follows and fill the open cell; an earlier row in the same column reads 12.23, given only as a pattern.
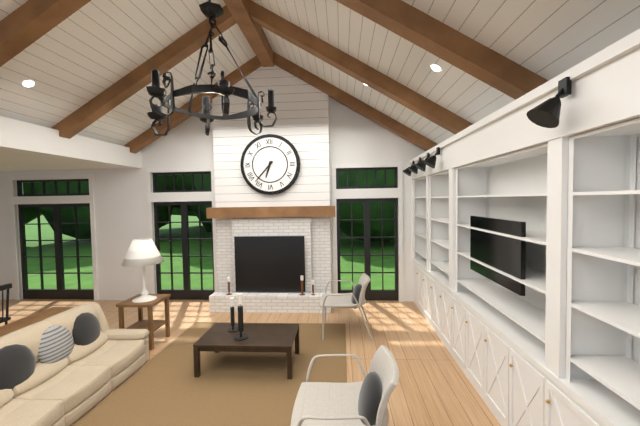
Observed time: 6.37
